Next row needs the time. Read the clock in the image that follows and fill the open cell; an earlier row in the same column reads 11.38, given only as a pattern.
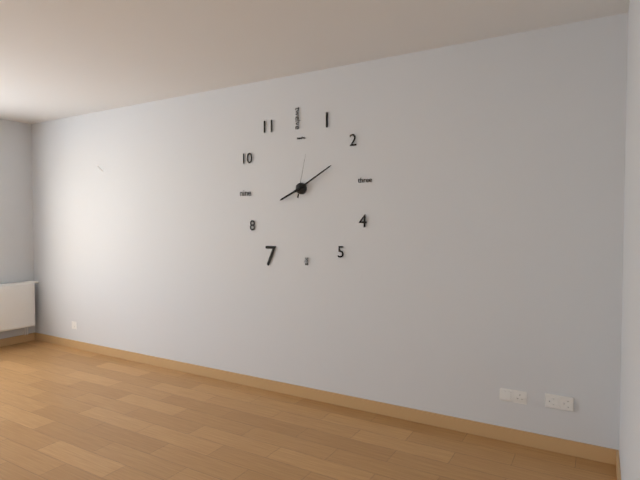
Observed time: 8.10
